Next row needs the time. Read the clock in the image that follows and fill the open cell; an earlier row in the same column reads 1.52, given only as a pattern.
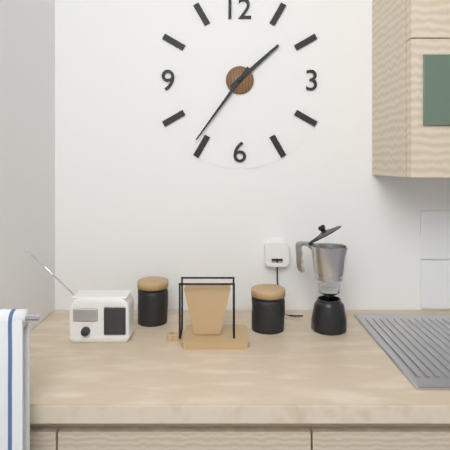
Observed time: 1.36
